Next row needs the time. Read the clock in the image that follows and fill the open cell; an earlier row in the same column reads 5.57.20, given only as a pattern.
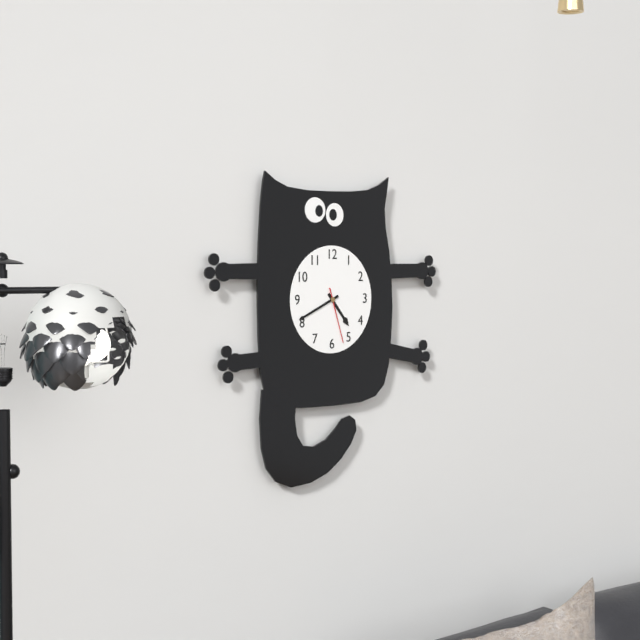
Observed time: 4.41.27
